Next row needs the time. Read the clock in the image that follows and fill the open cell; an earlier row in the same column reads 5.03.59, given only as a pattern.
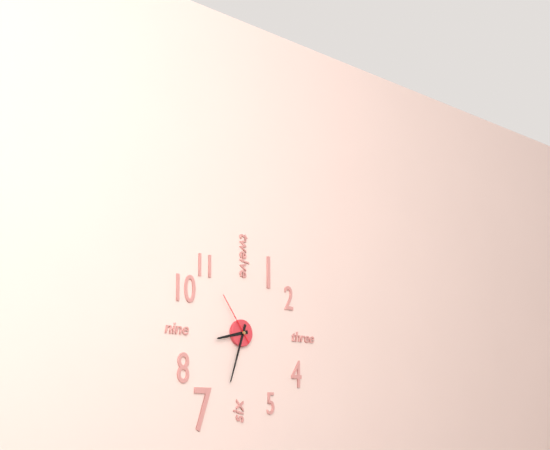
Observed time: 8.33.54
